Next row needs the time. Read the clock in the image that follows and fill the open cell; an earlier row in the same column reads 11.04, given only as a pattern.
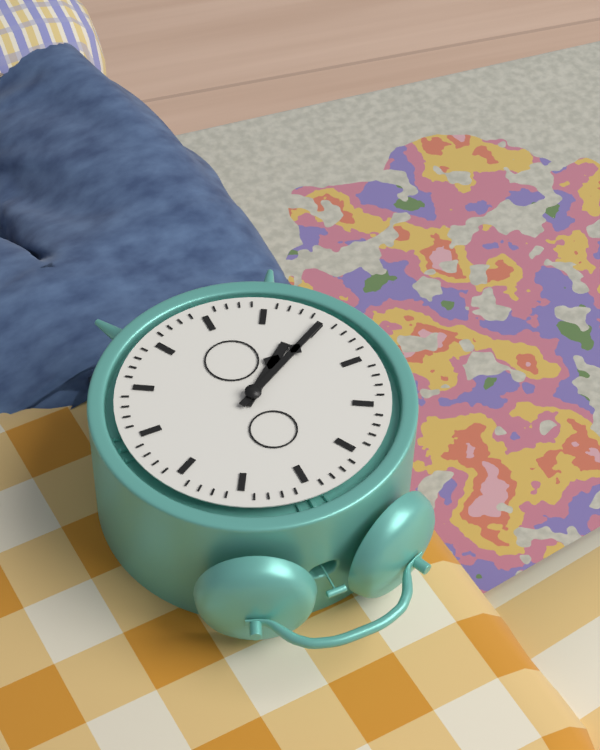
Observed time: 7.40
